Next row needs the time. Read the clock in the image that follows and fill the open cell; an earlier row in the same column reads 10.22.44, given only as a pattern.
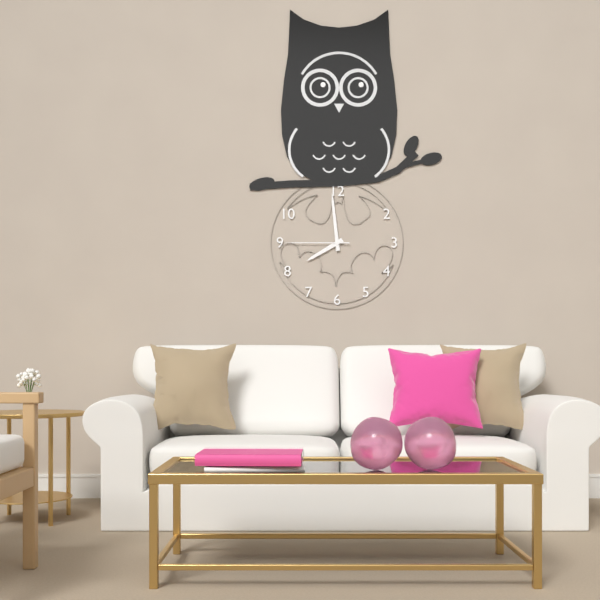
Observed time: 7.59.45
